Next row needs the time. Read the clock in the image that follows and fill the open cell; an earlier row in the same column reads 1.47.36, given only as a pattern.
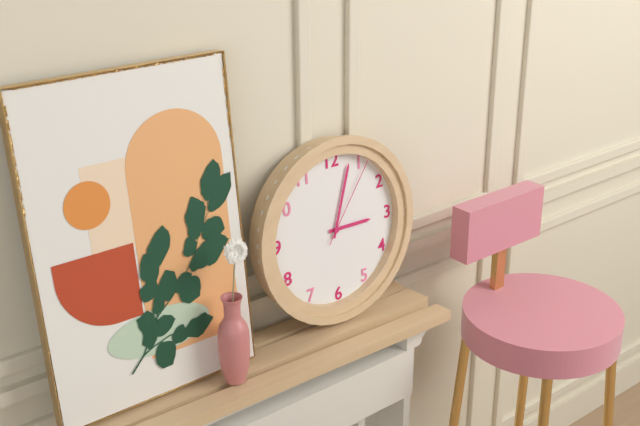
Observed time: 3.03.06
